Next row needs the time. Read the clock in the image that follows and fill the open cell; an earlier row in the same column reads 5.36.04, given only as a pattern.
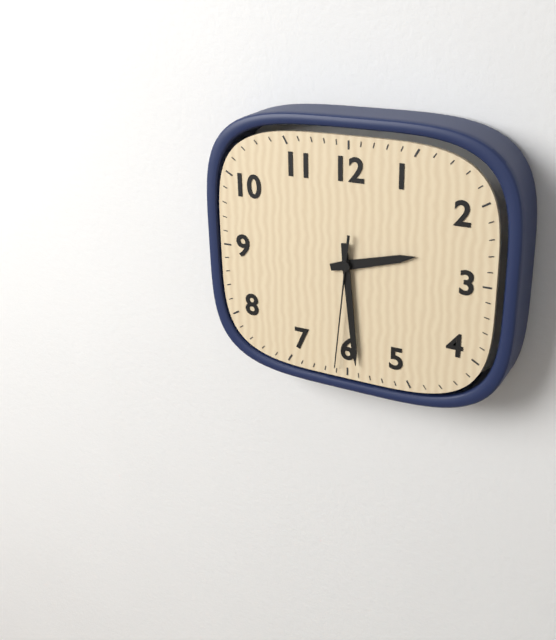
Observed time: 2.29.31
